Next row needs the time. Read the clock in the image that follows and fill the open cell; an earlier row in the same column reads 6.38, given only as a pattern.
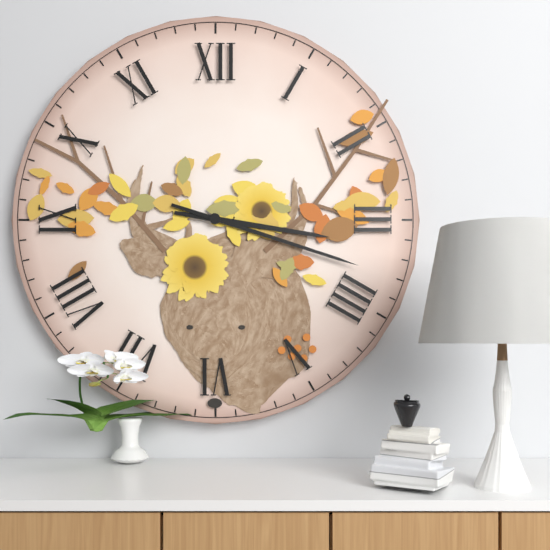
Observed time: 3.18
